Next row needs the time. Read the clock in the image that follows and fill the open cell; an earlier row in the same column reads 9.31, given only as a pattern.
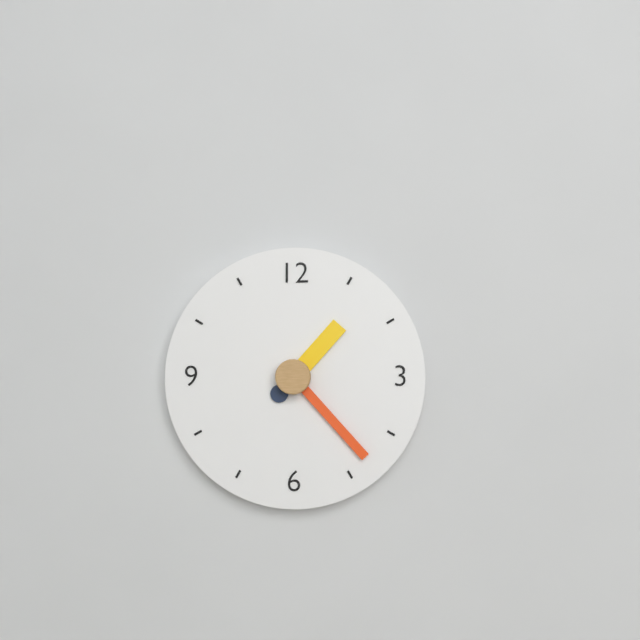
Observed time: 1.23
